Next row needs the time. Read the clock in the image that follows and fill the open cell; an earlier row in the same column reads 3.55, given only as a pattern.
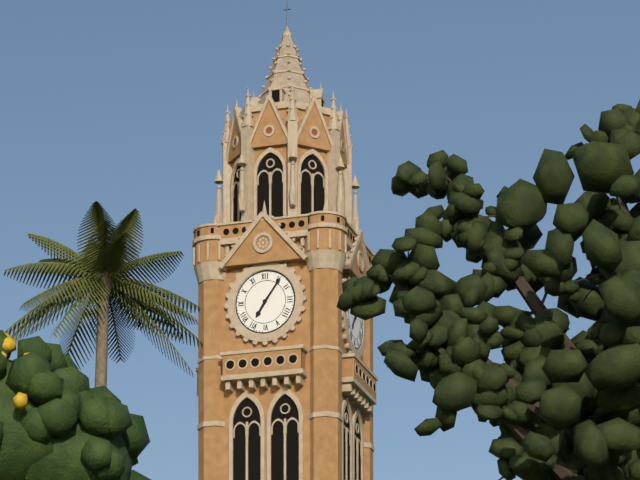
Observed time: 7.06
